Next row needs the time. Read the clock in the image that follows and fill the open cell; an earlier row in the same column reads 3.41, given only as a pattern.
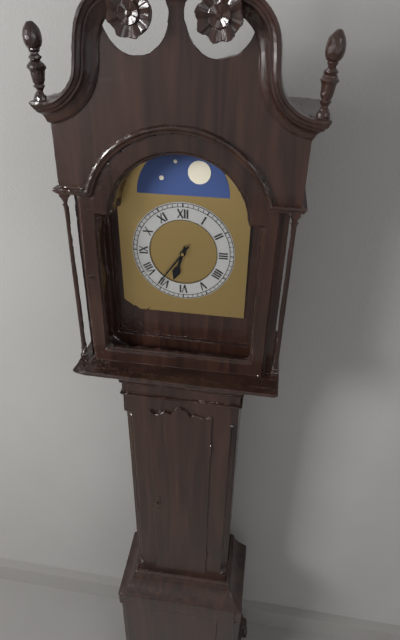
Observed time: 6.36
